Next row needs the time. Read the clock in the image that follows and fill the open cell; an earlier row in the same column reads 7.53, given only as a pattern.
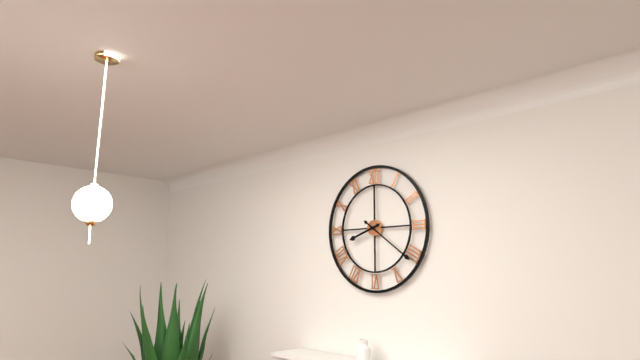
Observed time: 8.21
